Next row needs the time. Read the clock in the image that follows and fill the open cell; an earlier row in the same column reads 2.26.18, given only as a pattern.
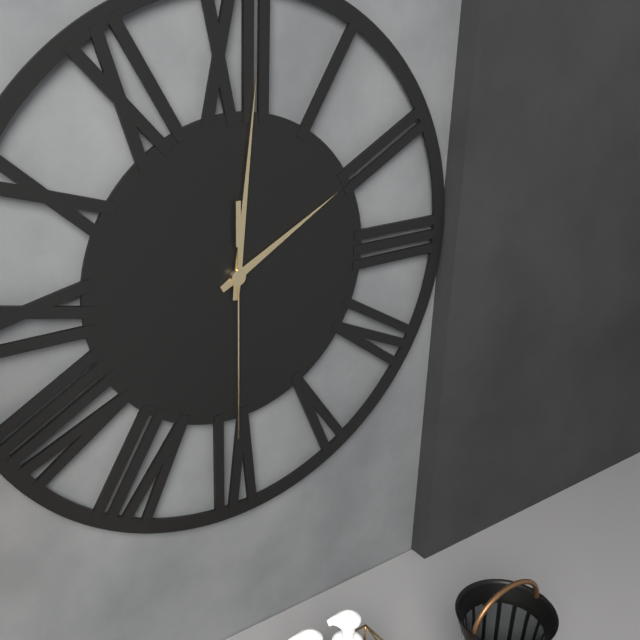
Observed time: 2.01.30
